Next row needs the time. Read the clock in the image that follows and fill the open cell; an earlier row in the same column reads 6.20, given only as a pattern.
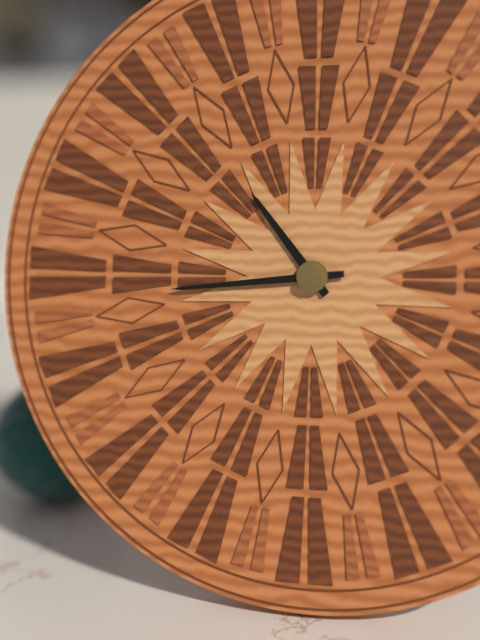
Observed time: 10.44
